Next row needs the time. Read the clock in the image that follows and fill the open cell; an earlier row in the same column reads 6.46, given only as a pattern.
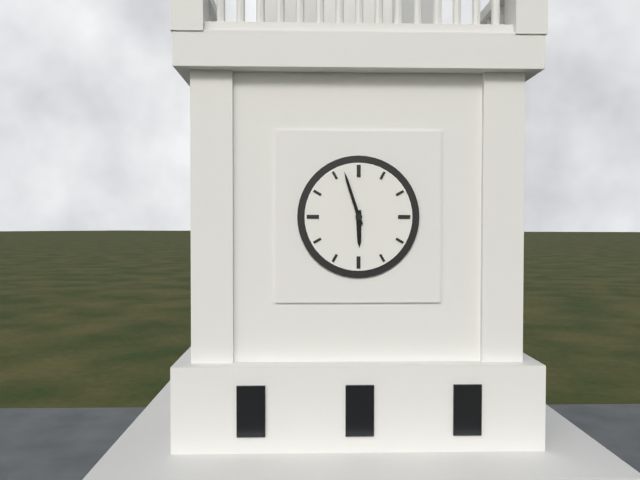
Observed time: 5.57
